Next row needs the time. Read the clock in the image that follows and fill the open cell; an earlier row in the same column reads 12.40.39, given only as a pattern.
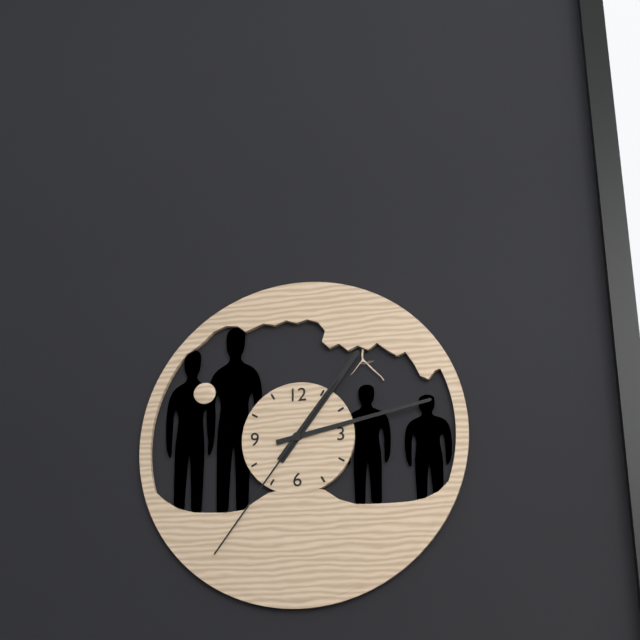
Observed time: 1.13.36
